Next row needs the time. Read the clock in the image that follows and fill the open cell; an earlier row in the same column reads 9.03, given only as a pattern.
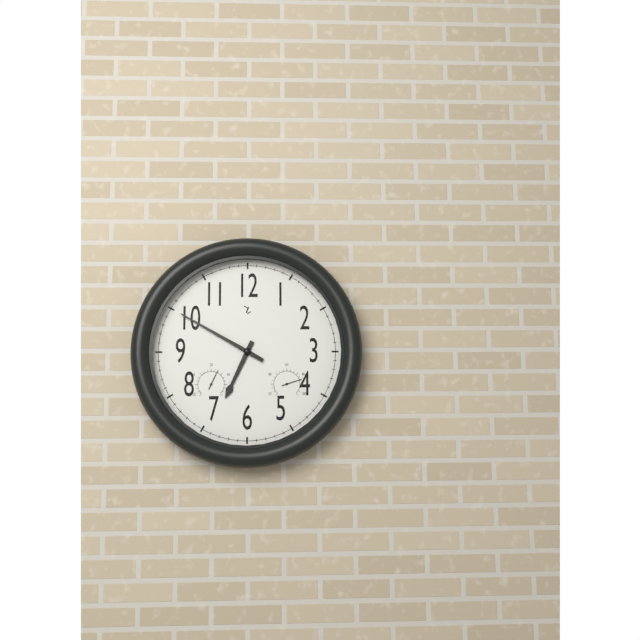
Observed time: 6.50
